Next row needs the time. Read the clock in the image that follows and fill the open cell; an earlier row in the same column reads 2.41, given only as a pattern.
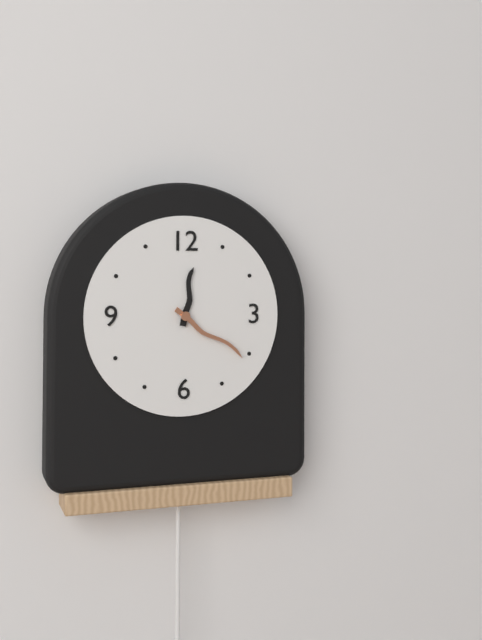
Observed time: 12.21
